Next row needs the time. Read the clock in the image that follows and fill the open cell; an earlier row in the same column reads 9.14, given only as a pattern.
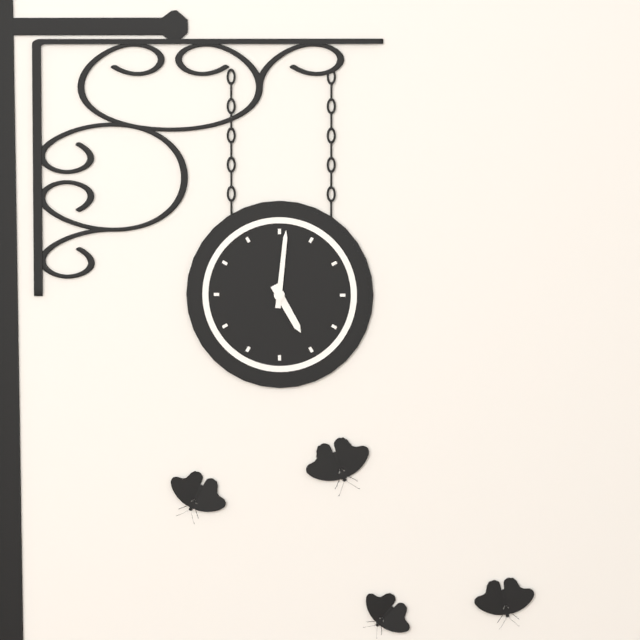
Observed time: 5.01
